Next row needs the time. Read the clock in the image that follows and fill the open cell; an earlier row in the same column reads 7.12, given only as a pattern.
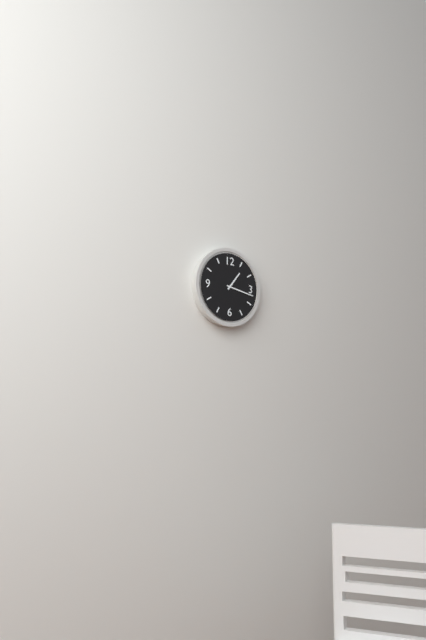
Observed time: 1.17
